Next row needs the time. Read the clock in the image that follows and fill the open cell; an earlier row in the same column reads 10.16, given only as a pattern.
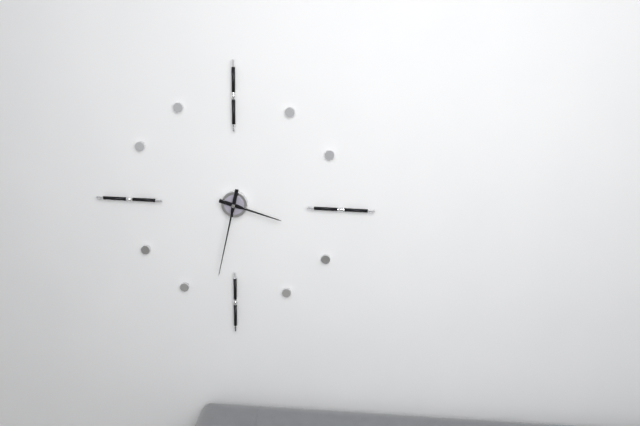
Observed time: 3.32
